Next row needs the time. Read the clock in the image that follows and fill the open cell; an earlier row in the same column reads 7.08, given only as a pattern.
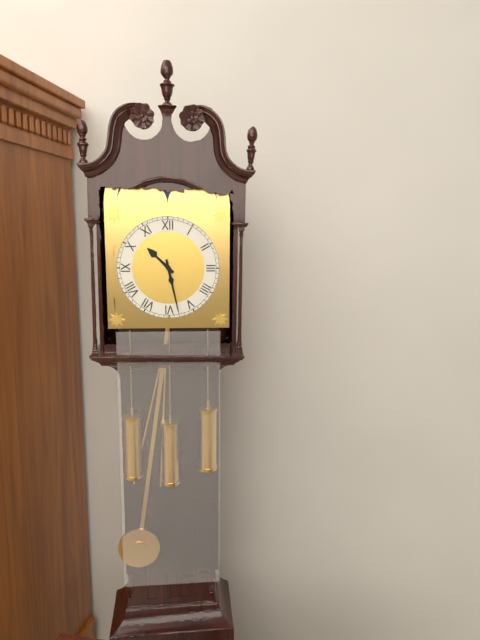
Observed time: 10.28
